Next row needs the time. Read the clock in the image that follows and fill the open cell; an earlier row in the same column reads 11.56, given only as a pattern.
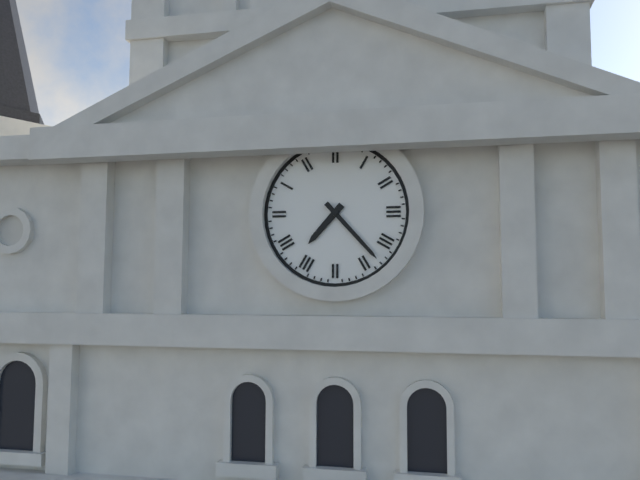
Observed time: 7.23
